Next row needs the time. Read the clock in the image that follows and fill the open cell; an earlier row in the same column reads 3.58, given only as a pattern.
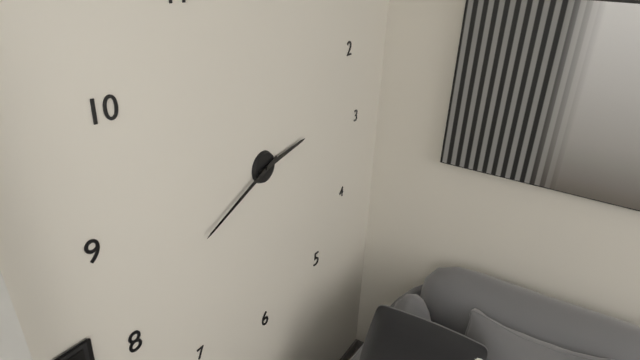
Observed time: 2.41
